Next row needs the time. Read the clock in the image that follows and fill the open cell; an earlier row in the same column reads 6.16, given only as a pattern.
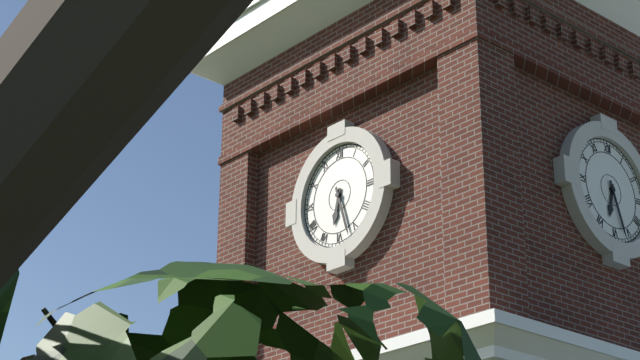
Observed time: 6.27
